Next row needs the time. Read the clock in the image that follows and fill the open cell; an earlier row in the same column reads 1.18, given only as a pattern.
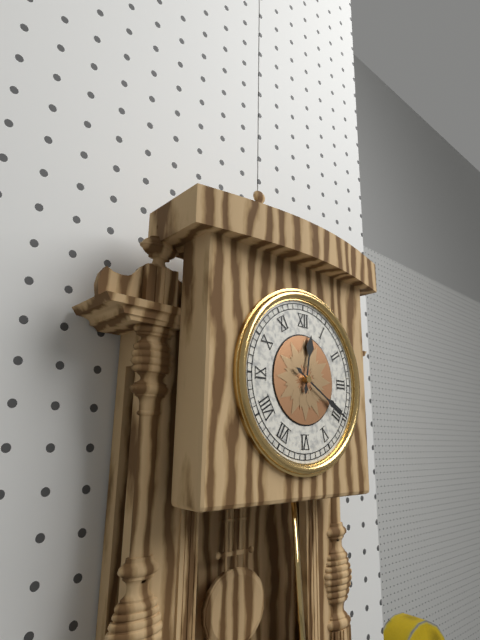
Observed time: 12.20
